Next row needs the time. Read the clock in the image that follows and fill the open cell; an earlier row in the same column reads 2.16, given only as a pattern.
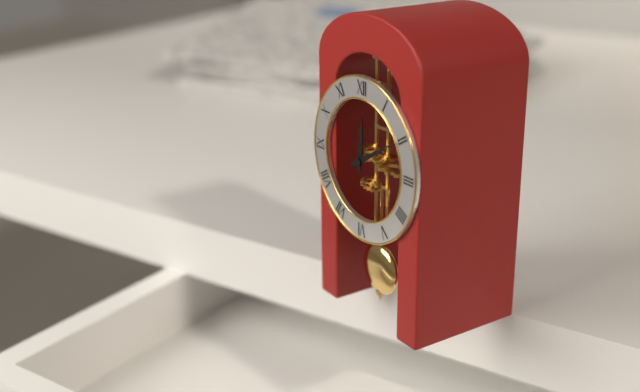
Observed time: 12.10
